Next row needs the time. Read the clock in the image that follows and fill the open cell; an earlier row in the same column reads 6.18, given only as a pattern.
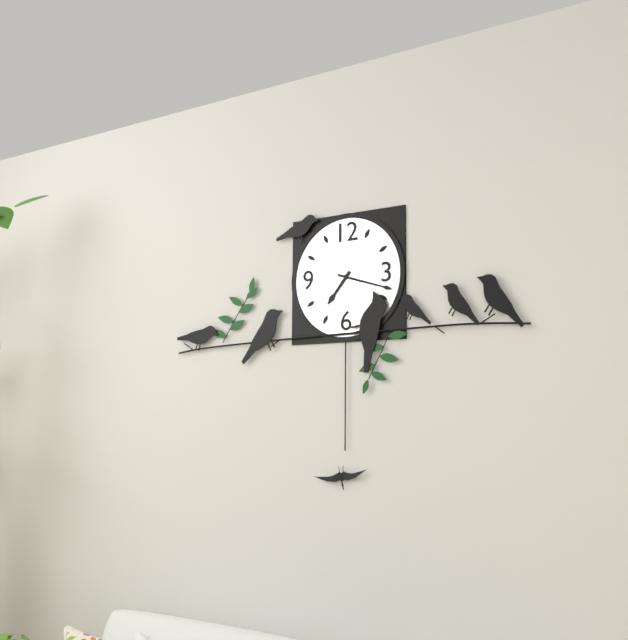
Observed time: 7.18
